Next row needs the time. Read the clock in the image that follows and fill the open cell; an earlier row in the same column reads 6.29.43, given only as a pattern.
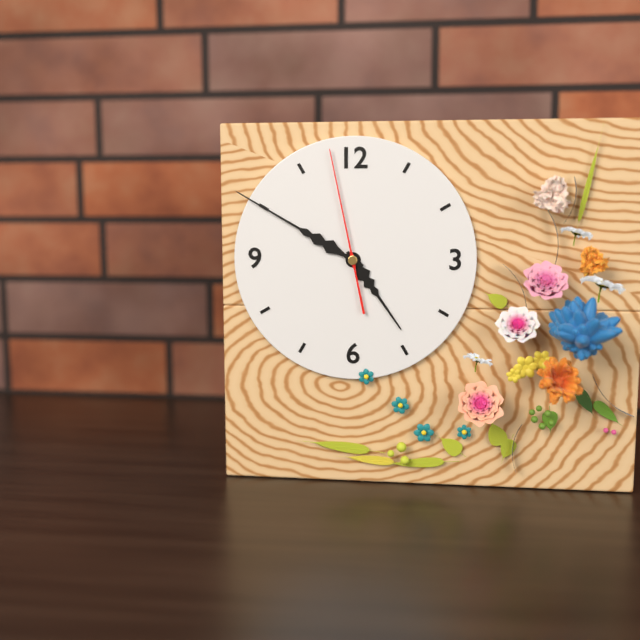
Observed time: 4.50.58
